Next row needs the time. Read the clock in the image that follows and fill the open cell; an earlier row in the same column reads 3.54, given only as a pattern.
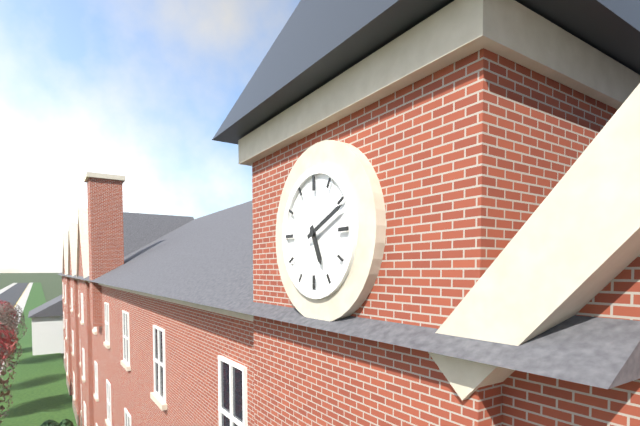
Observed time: 5.11
